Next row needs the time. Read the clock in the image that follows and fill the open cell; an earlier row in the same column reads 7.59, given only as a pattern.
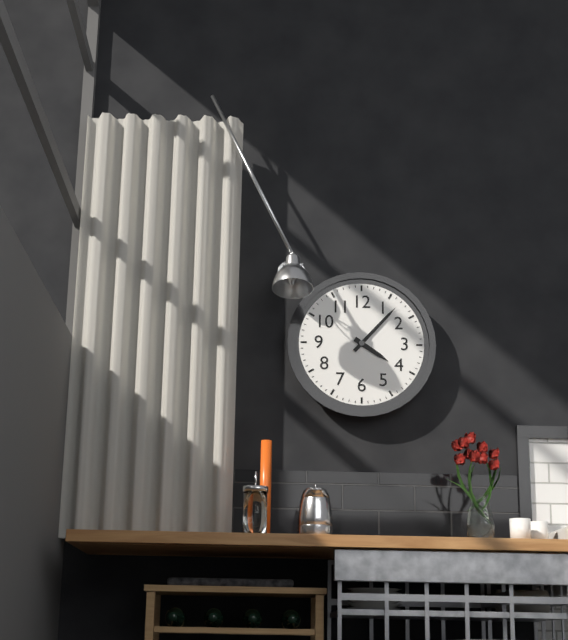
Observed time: 4.07
